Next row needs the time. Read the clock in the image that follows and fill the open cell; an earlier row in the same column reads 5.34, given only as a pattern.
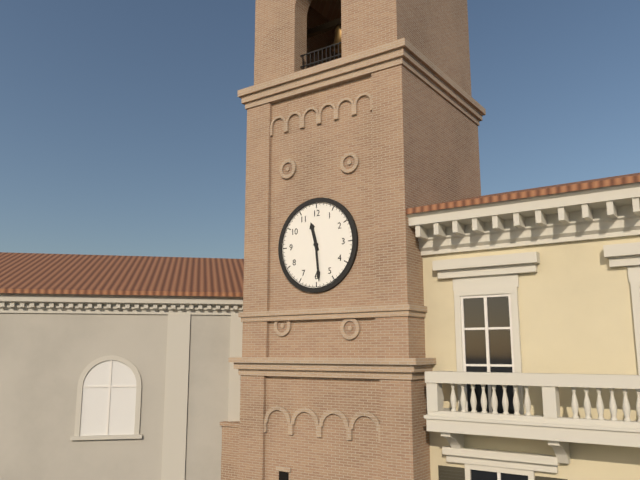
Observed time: 11.29
